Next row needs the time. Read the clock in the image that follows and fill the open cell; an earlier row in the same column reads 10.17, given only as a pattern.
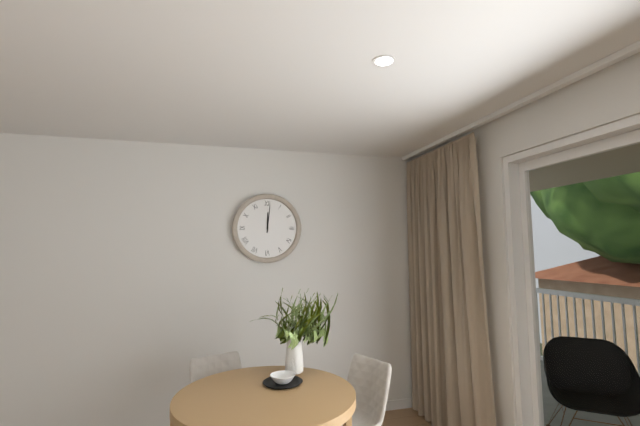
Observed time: 12.01
